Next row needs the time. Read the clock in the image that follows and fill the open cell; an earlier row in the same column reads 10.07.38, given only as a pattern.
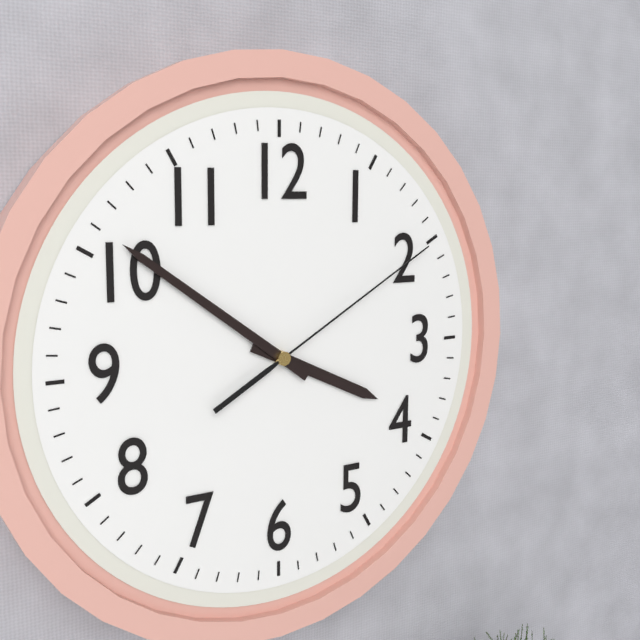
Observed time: 3.51.10
